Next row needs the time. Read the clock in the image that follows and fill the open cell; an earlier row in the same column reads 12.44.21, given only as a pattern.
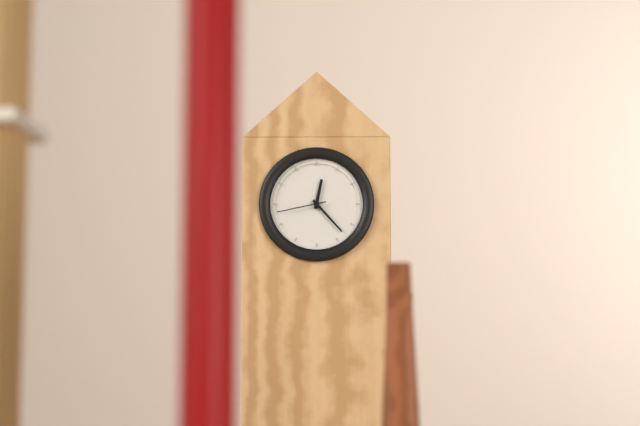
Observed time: 12.23.43
